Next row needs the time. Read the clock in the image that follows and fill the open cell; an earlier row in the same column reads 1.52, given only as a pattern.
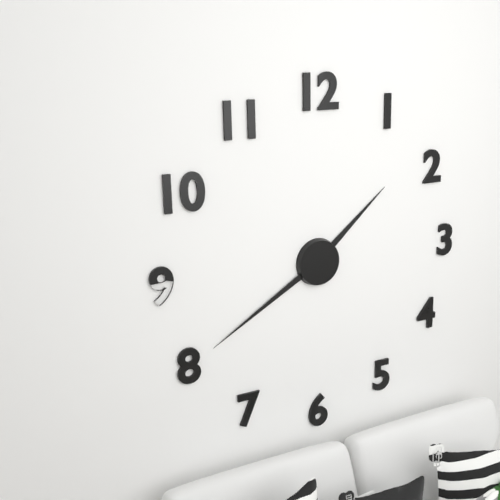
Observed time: 1.40
